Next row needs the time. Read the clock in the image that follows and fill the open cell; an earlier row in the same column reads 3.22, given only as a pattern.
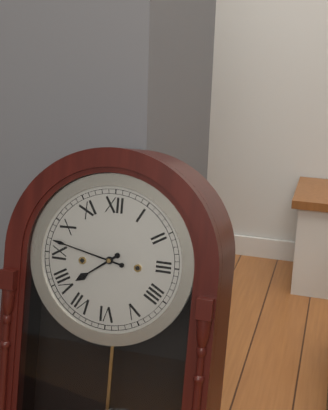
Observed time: 7.47
